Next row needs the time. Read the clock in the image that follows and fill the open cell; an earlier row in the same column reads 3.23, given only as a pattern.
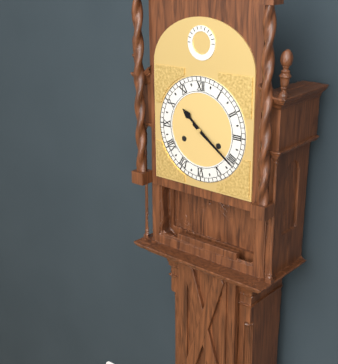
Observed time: 10.21
